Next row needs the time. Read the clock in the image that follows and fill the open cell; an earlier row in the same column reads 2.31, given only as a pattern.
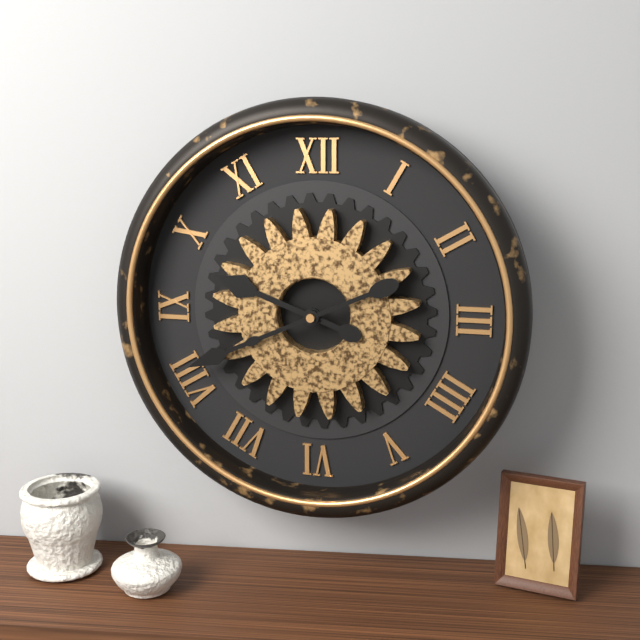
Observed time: 9.41
